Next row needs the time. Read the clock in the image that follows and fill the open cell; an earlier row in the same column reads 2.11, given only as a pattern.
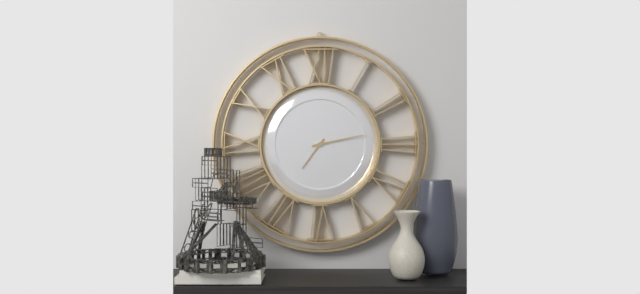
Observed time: 7.13
